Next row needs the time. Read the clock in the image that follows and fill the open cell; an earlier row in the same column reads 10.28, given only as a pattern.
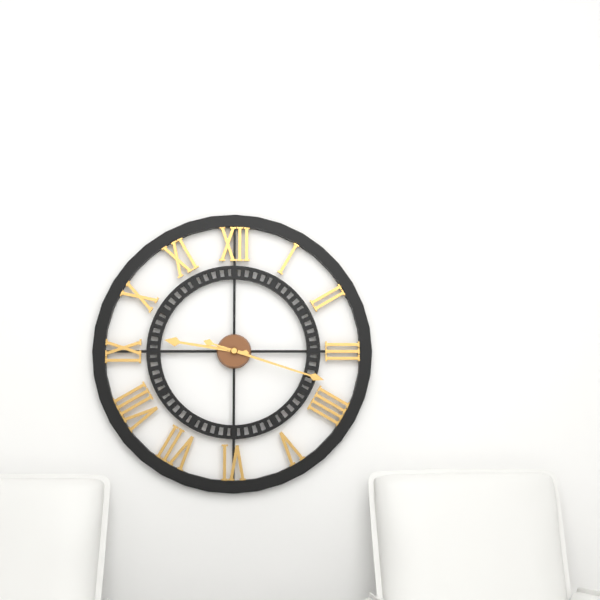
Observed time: 9.18
